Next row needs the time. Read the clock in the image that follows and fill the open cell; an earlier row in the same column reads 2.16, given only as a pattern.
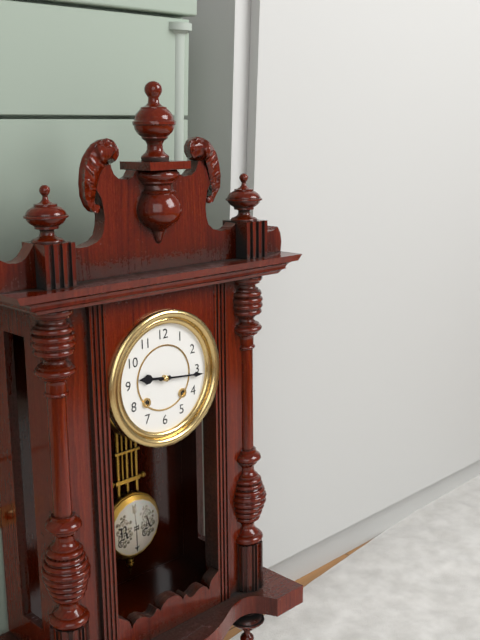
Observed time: 9.16
